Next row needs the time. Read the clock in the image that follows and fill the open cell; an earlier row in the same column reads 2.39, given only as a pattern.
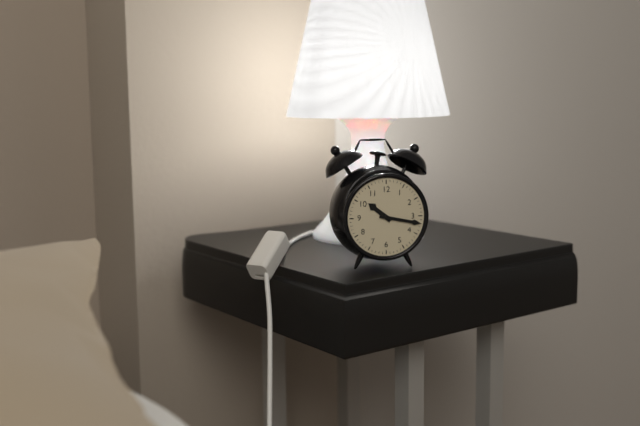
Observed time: 10.17
